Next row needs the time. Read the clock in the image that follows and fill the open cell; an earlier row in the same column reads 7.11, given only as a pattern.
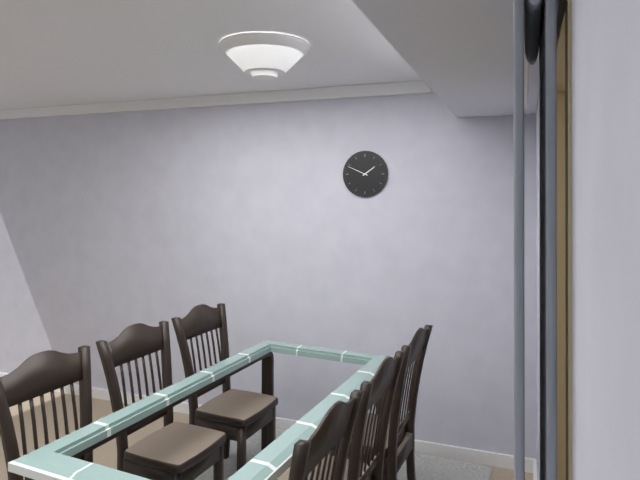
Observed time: 1.49
